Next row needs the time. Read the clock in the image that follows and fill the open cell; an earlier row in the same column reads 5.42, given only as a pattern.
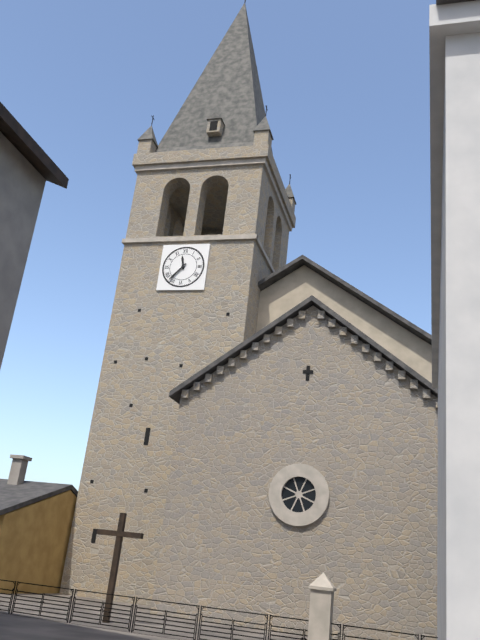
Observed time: 11.37
